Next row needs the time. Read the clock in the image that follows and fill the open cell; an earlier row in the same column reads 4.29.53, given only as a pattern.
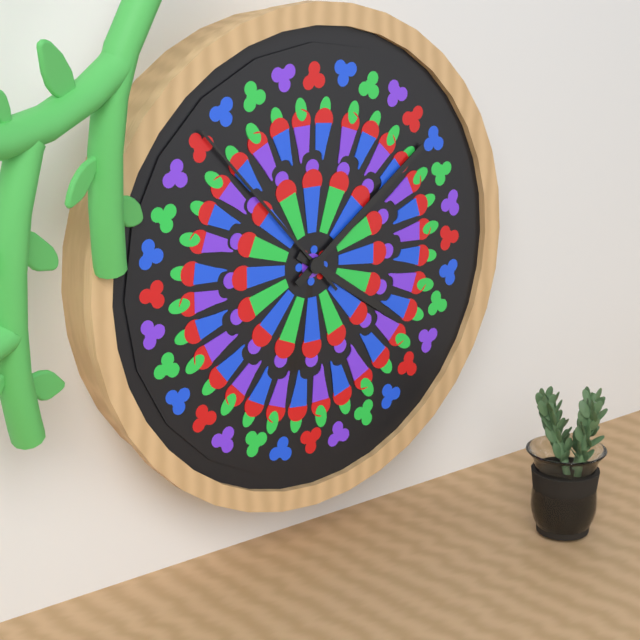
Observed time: 4.09.53
